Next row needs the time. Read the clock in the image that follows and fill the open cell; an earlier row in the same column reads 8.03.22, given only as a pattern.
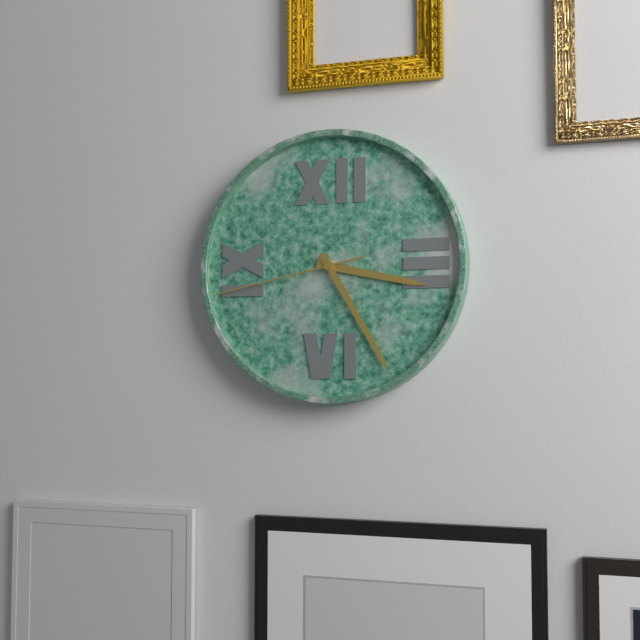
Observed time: 3.25.43
